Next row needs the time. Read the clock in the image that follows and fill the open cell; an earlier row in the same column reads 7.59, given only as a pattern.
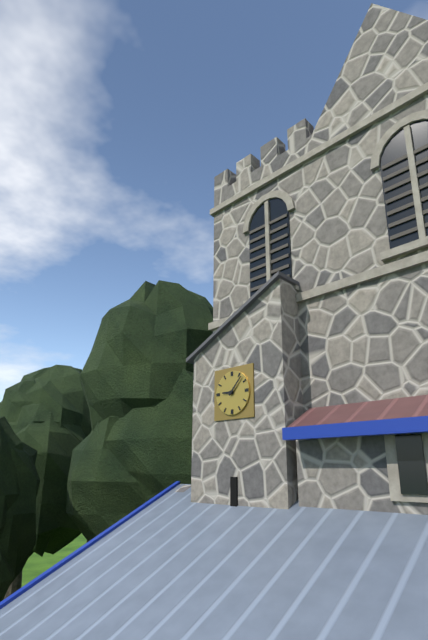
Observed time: 9.07
